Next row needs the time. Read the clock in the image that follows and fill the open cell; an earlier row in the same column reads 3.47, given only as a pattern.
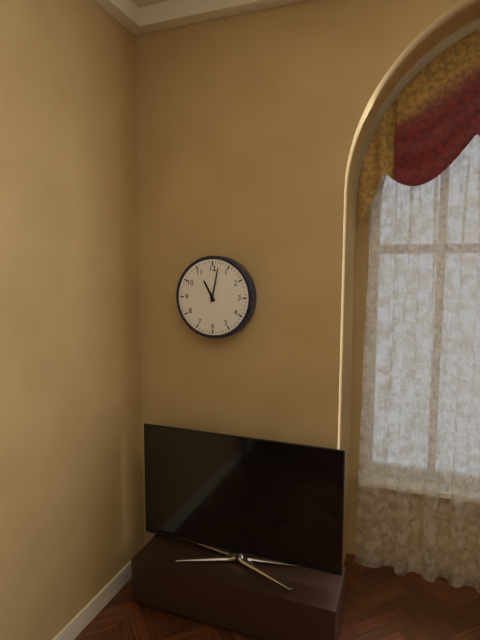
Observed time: 11.02
